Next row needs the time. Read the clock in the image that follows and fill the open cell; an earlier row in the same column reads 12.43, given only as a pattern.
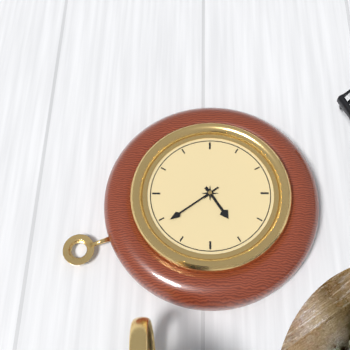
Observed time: 7.54
